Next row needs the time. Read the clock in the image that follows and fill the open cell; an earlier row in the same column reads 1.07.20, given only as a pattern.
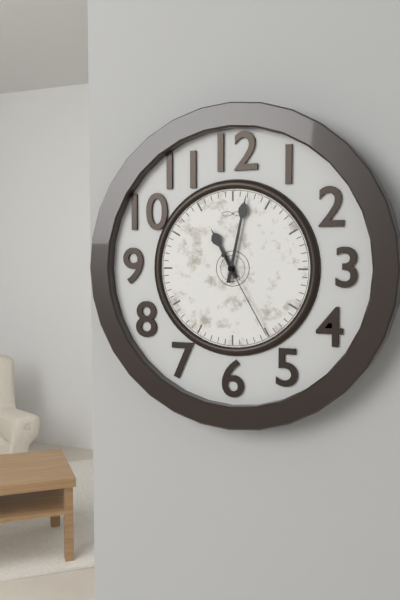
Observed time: 11.02.25
